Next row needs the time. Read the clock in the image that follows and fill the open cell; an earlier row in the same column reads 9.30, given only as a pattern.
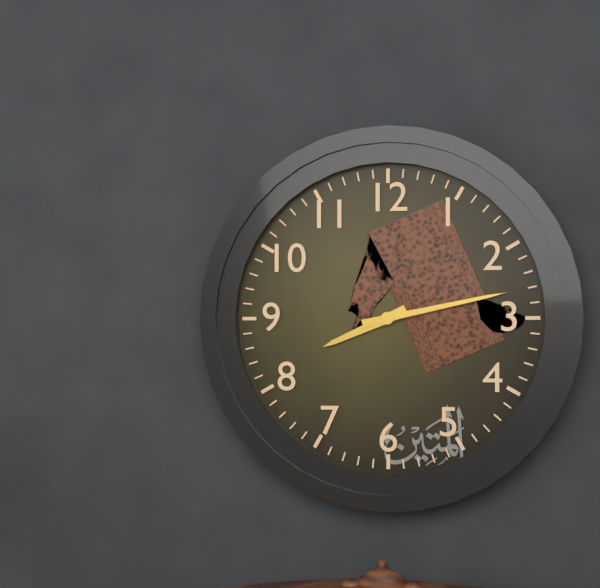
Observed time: 8.13
